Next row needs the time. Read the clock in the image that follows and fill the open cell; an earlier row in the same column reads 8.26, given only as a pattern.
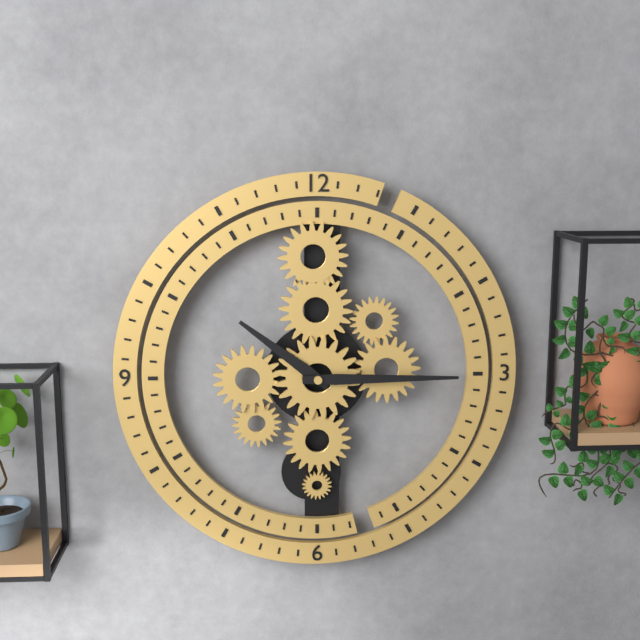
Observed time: 10.15
